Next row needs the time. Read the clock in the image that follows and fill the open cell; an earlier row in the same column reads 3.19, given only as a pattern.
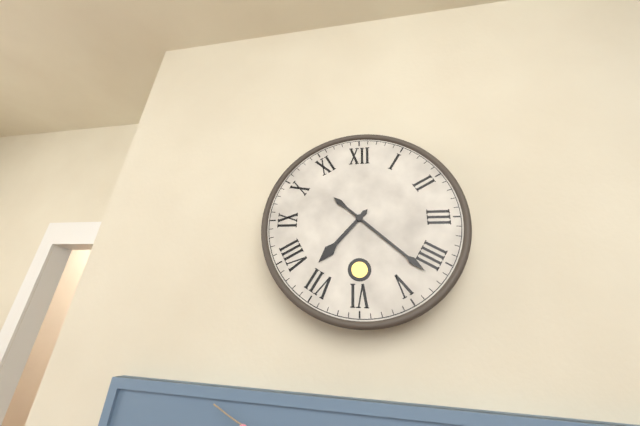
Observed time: 7.22
